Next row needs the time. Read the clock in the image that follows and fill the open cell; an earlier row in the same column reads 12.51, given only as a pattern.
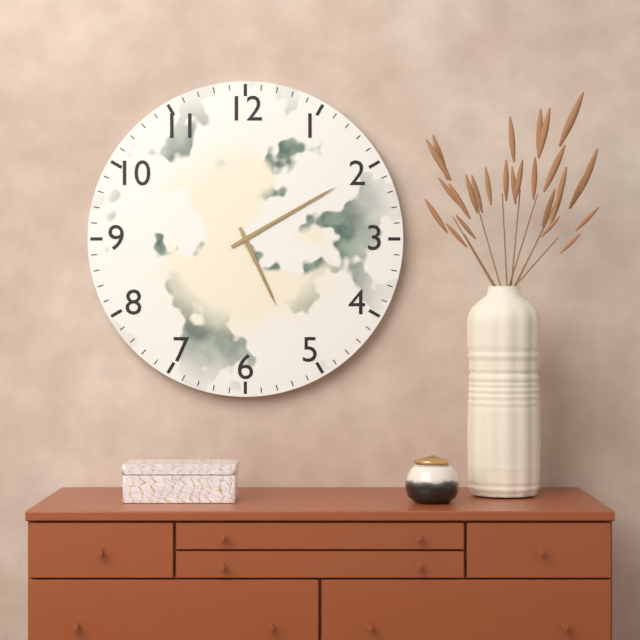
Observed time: 5.10
